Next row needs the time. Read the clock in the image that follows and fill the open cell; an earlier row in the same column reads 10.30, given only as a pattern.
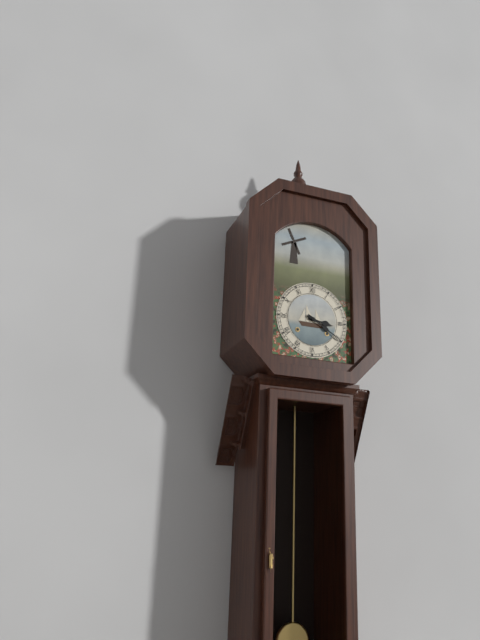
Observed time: 3.20
